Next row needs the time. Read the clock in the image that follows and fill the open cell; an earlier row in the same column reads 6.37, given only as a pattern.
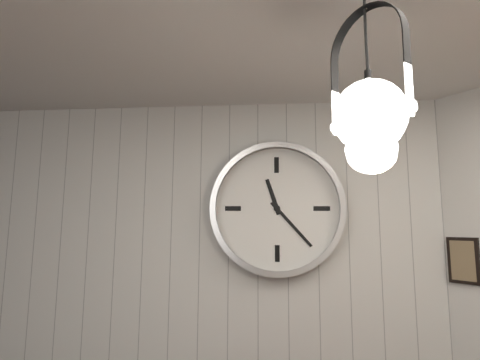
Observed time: 11.23
